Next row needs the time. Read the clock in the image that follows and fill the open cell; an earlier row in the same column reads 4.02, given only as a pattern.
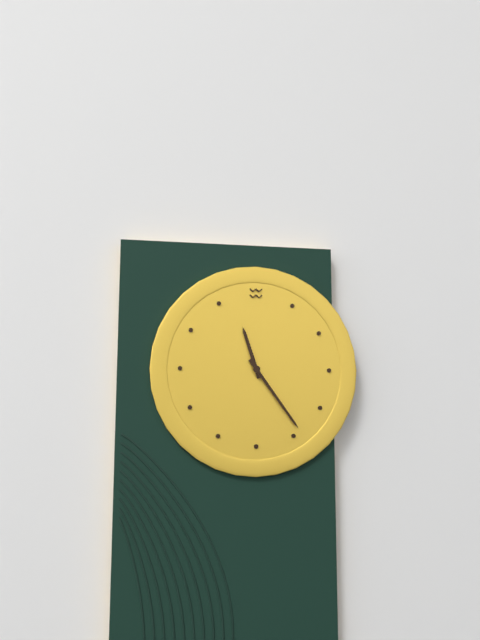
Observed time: 11.24
